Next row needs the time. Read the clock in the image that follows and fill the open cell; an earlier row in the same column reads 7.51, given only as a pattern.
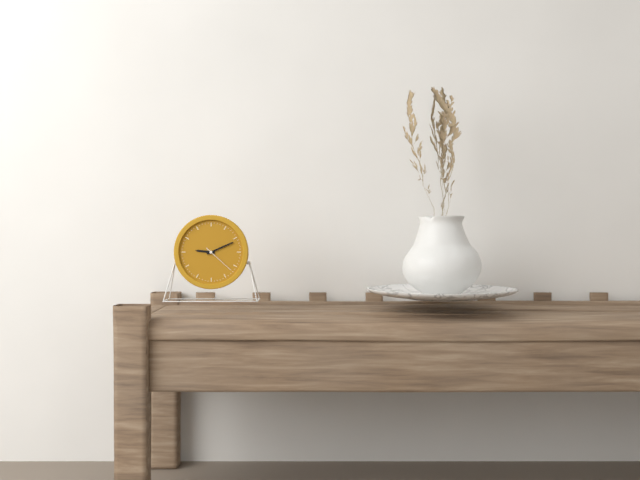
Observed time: 9.11
